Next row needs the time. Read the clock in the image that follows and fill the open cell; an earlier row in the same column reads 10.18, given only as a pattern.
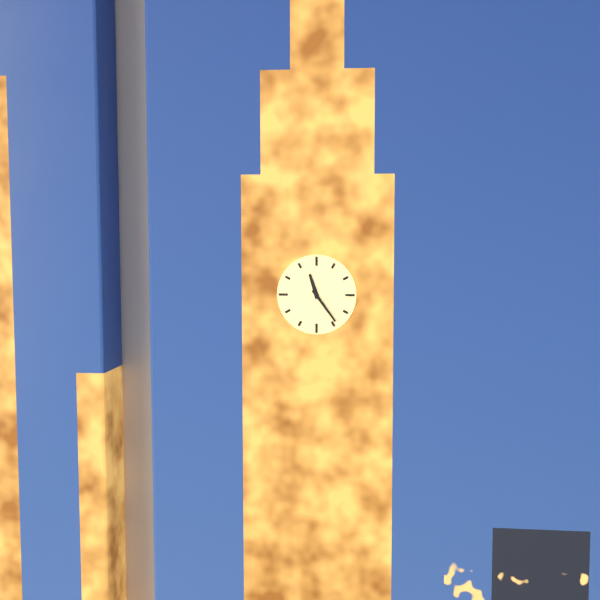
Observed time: 11.24
